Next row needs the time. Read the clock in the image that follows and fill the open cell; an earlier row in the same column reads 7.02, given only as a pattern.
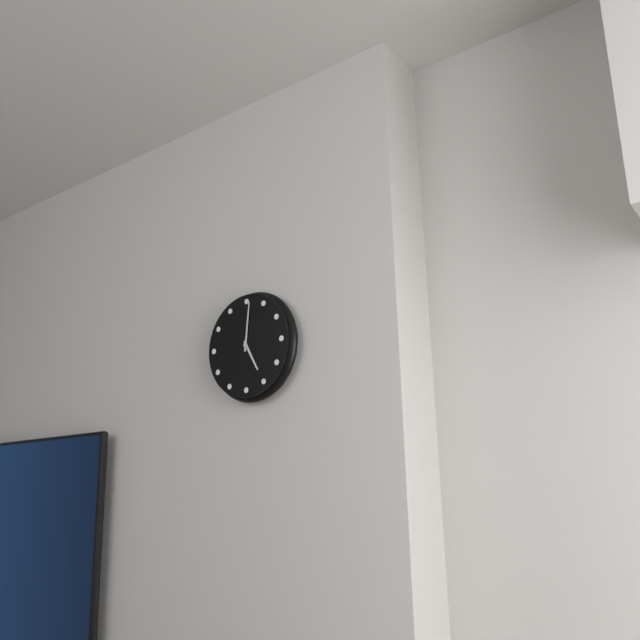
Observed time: 5.01
